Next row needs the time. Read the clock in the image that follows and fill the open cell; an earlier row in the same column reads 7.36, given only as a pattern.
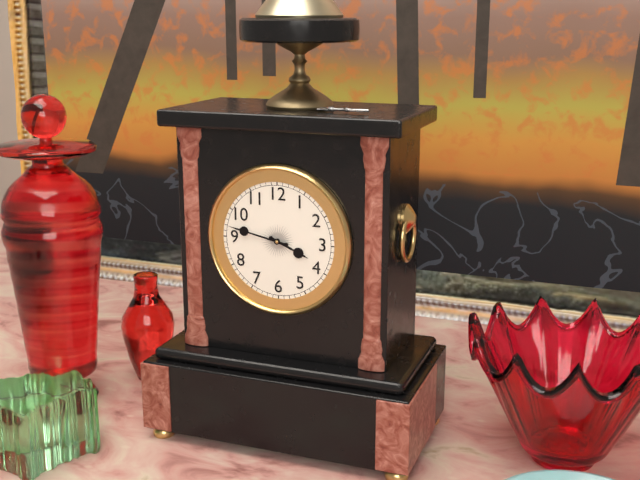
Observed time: 3.47
